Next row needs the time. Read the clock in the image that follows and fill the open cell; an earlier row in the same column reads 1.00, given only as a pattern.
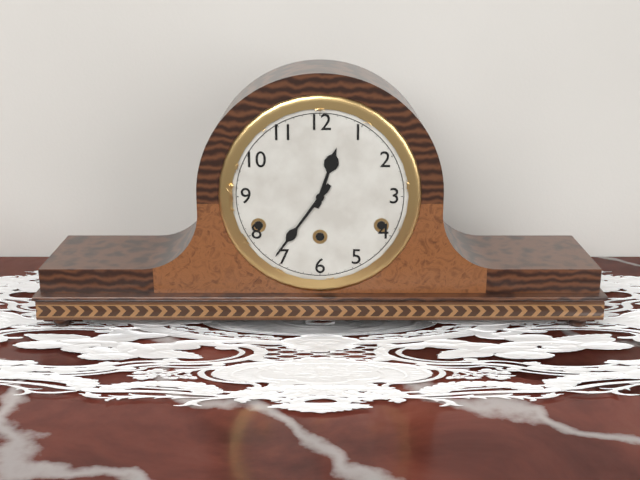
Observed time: 12.36
